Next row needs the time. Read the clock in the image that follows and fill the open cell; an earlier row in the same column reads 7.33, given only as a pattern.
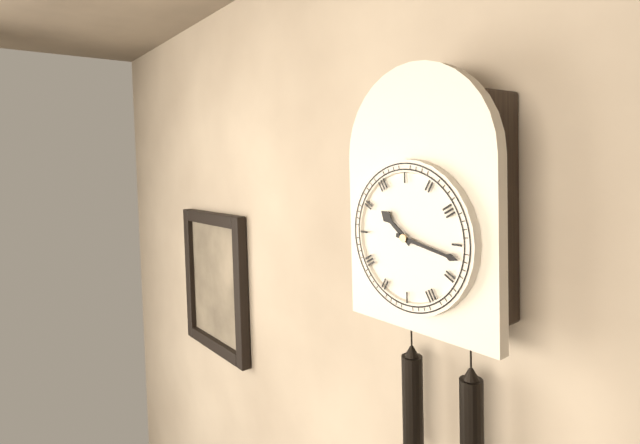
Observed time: 10.17
